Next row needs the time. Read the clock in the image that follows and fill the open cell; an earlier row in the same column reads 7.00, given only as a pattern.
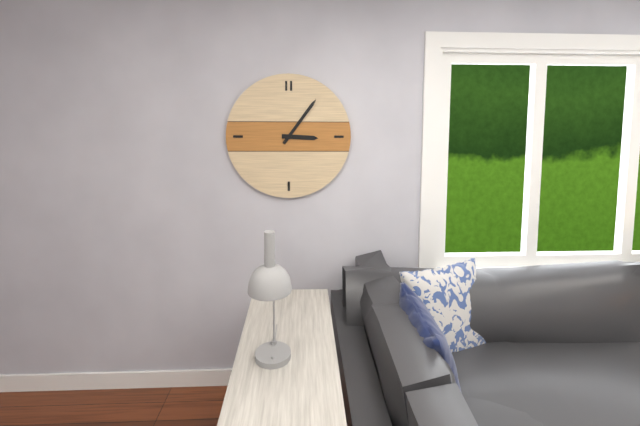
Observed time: 3.06
